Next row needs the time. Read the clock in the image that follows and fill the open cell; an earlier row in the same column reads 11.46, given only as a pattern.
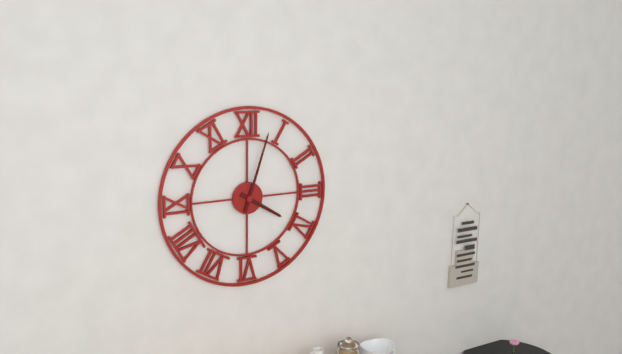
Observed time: 4.03
